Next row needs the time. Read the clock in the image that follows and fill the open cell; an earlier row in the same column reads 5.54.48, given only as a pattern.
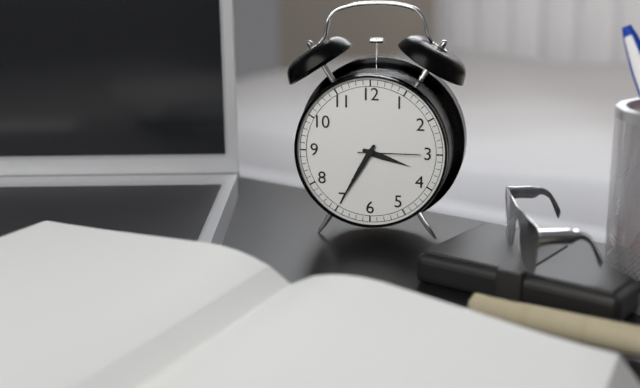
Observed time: 3.35.15
